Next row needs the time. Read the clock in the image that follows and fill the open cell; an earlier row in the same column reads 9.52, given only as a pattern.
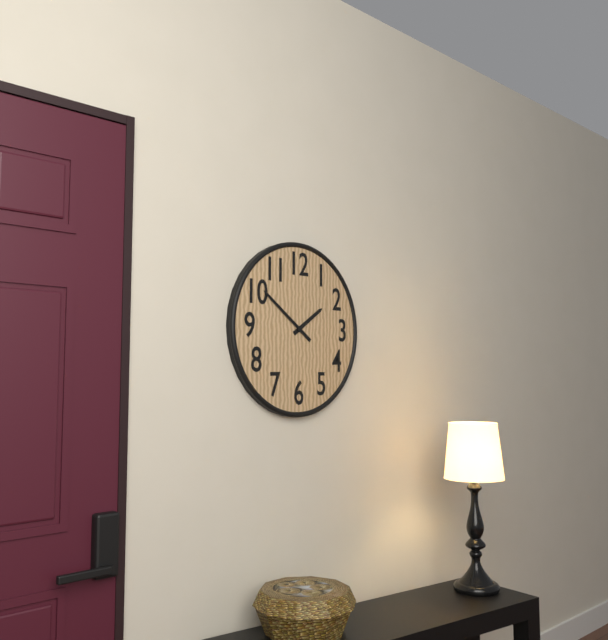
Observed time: 1.51
